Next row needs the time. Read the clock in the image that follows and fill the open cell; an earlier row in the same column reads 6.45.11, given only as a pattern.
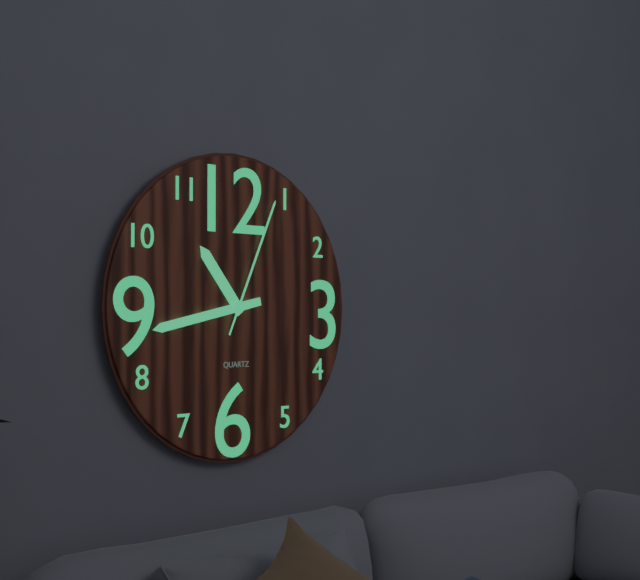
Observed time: 10.43.04
